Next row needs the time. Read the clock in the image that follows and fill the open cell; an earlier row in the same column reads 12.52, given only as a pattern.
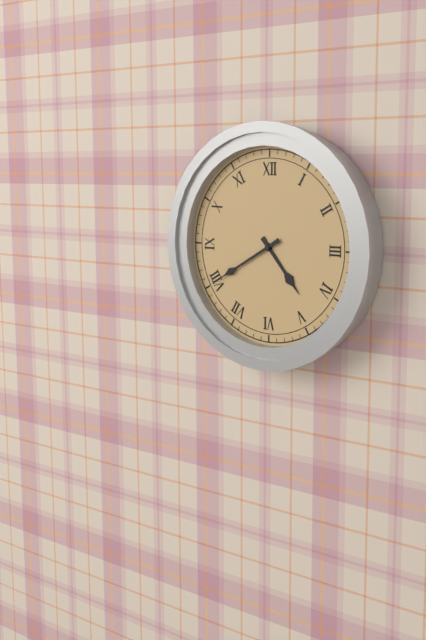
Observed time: 4.40
